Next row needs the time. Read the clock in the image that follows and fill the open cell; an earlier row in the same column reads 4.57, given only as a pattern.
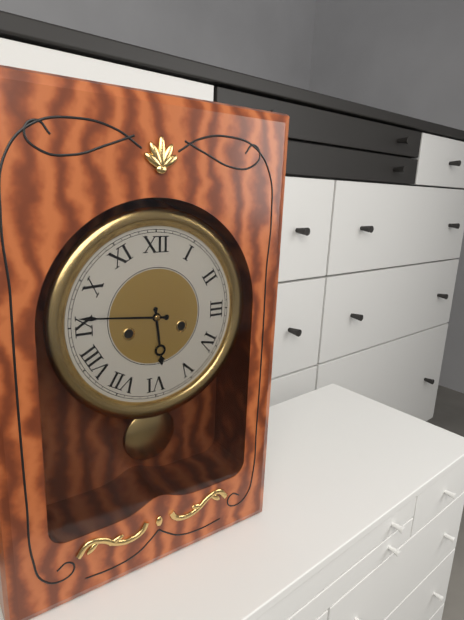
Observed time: 5.46
